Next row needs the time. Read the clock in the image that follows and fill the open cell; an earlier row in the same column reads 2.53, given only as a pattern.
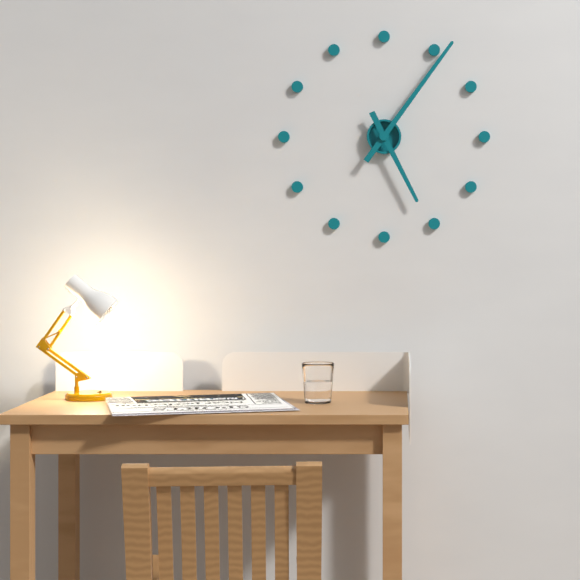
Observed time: 5.06
